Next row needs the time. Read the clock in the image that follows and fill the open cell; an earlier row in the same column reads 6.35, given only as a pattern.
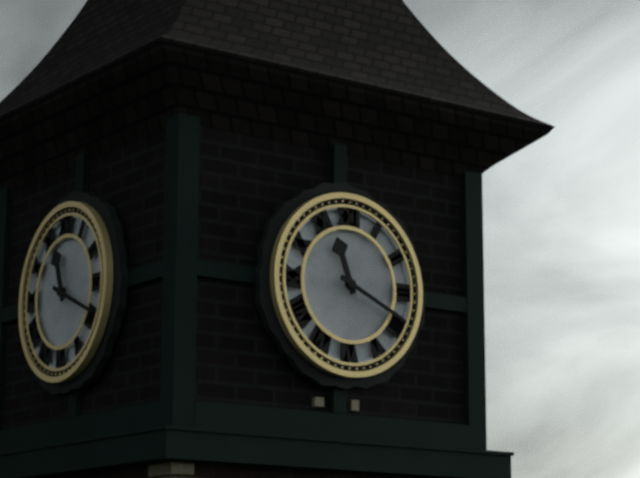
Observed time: 11.19
